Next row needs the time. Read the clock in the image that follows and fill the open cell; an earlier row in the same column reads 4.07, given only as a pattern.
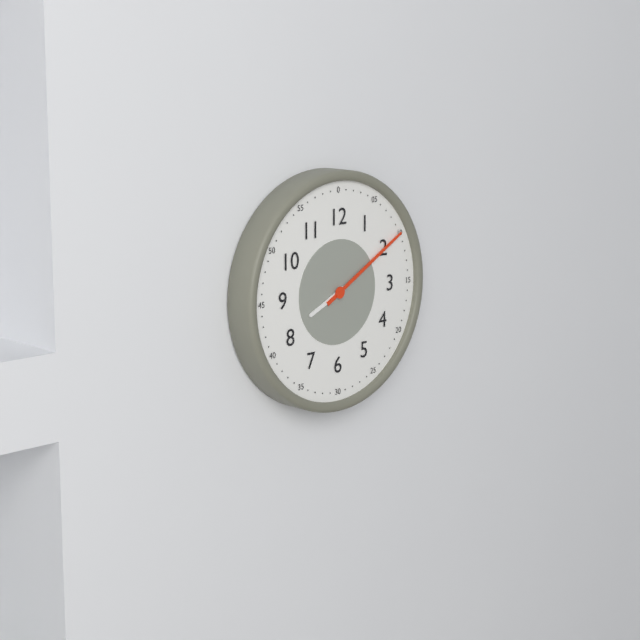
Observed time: 8.10
